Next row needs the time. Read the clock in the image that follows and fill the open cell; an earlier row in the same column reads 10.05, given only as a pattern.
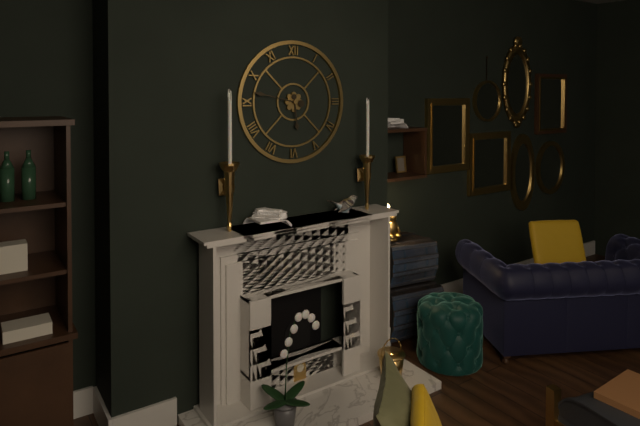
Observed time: 5.47
